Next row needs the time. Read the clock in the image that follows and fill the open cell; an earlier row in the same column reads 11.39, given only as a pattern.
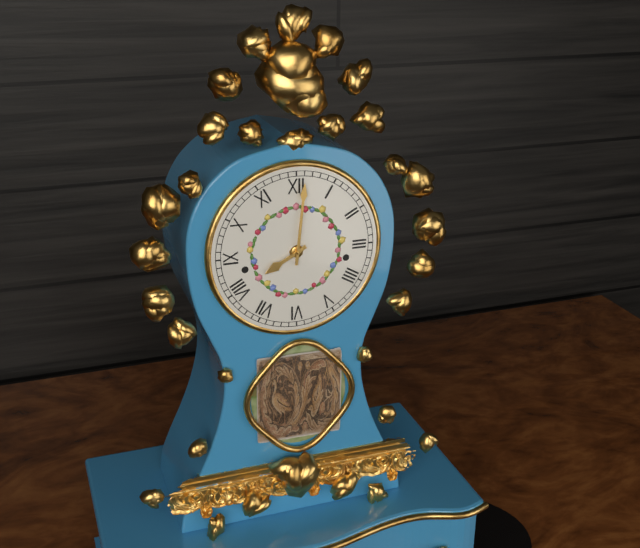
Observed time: 8.01
